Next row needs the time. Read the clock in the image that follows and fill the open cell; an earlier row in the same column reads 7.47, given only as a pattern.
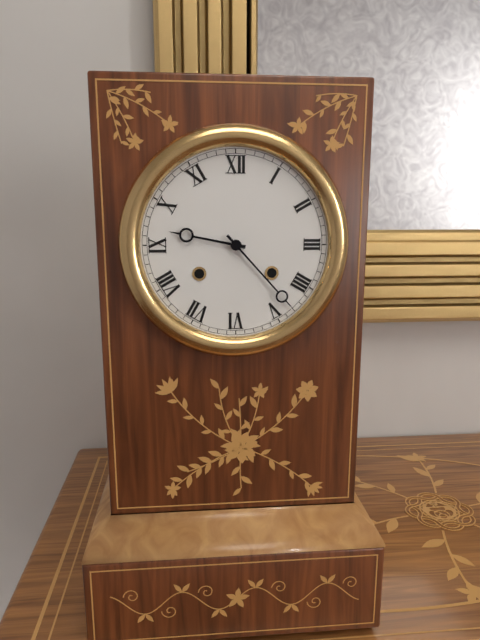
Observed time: 9.23
